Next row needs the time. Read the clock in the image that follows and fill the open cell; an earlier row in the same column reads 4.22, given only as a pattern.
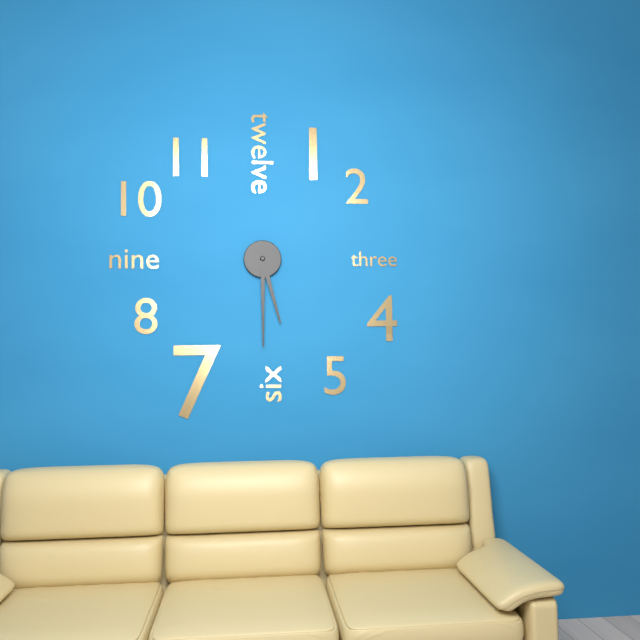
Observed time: 5.30
